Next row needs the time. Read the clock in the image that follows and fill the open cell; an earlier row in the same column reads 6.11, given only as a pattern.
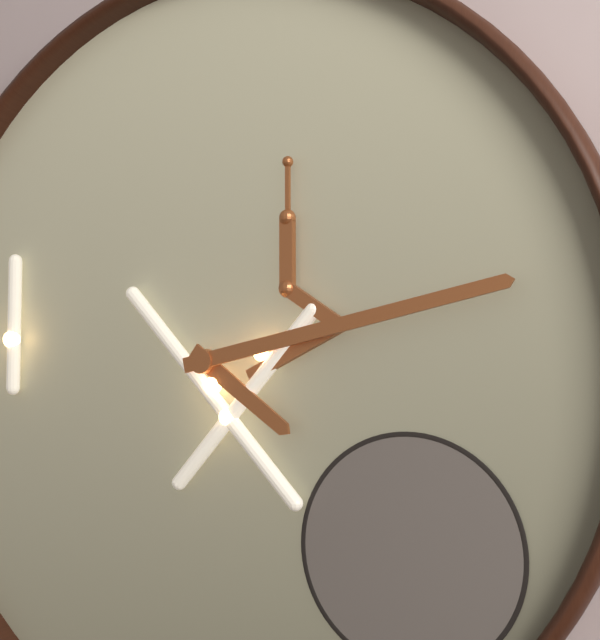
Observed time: 4.13
